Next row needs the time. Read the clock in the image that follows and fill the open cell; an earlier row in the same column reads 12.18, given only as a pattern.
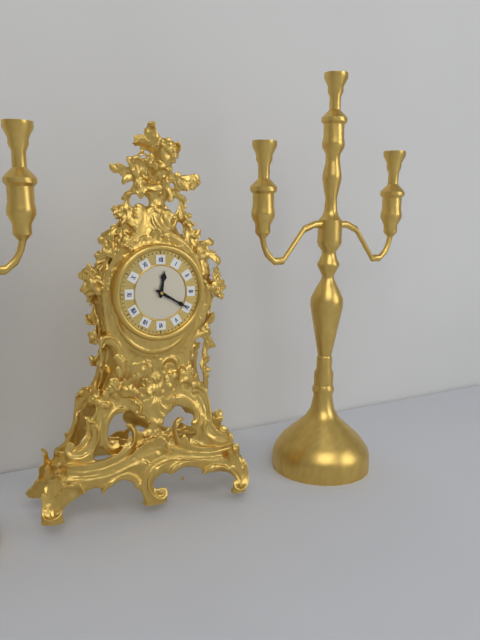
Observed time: 12.20
